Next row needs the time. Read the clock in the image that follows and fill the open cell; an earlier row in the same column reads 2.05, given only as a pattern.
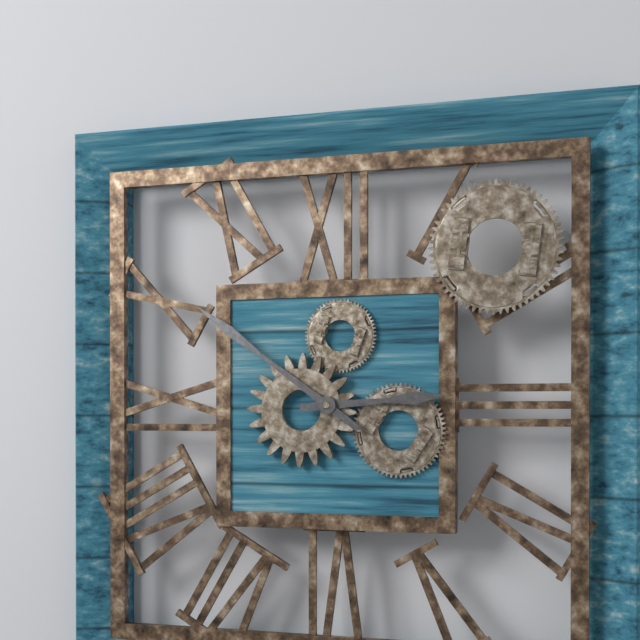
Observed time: 2.51
